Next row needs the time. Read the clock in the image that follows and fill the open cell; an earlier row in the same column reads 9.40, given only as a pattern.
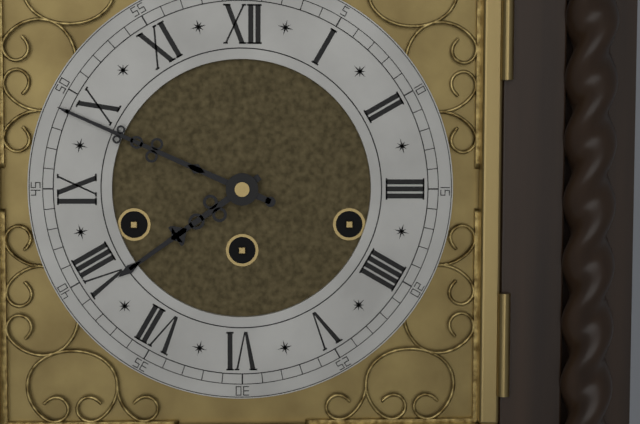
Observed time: 7.49
